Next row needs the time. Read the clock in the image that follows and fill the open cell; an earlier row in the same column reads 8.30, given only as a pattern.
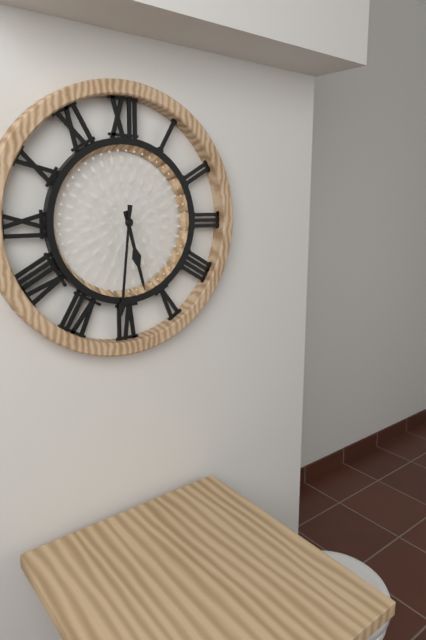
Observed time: 5.31
